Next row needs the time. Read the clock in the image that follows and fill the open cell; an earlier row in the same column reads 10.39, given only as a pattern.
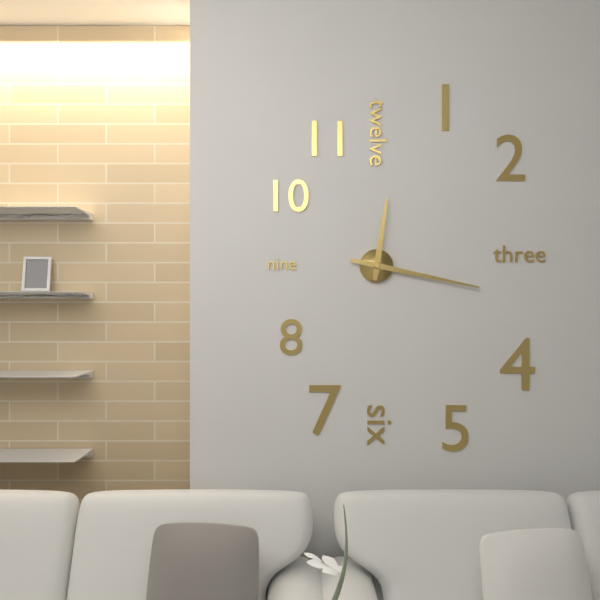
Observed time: 12.17
